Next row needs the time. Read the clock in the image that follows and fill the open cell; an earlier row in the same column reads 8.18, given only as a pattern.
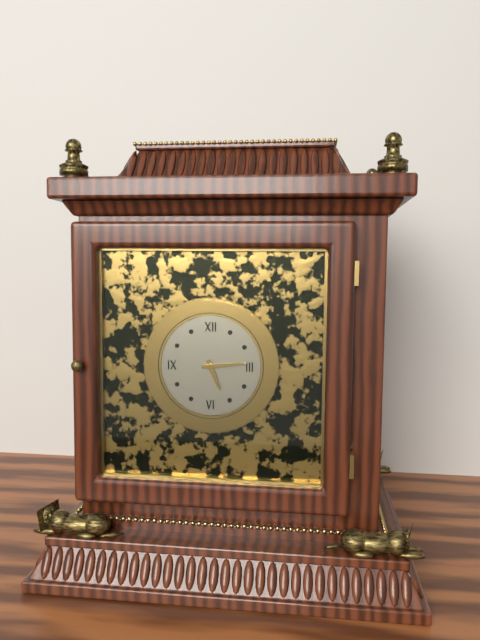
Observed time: 5.14
